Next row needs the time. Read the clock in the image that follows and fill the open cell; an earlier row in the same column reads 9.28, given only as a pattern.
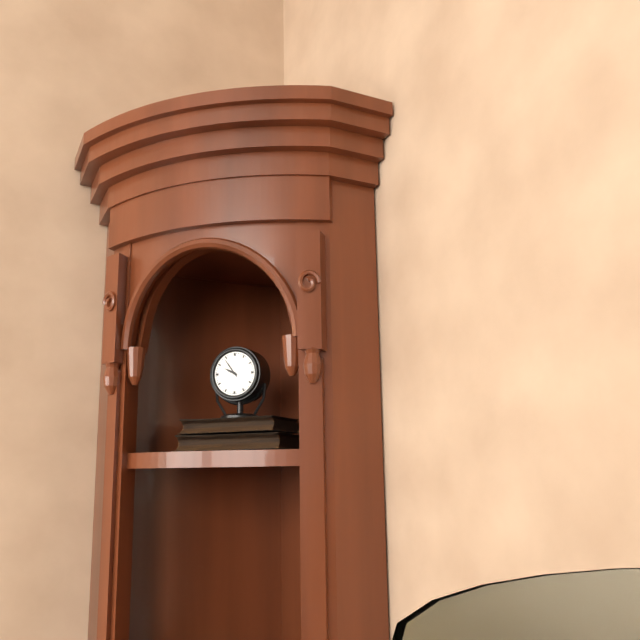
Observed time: 9.54
